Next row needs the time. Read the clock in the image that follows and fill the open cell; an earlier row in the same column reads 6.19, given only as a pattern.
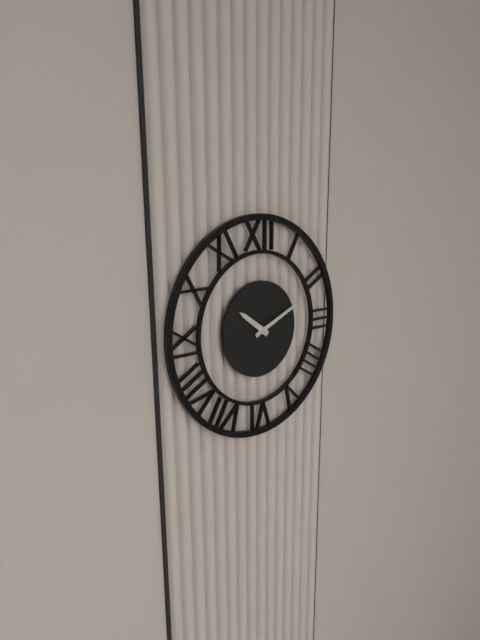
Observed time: 10.11
